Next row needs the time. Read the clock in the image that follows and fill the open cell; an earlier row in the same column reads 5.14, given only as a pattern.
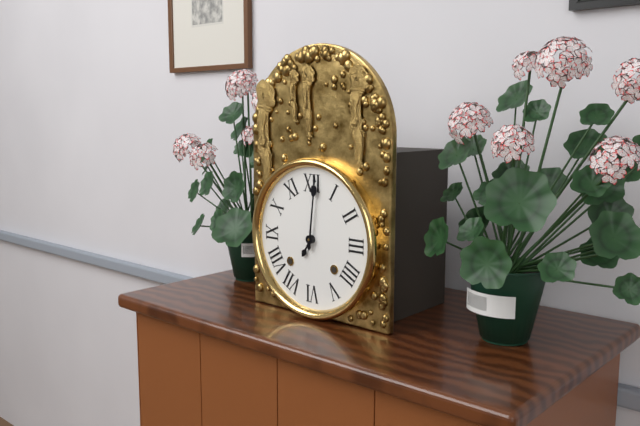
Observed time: 7.01
